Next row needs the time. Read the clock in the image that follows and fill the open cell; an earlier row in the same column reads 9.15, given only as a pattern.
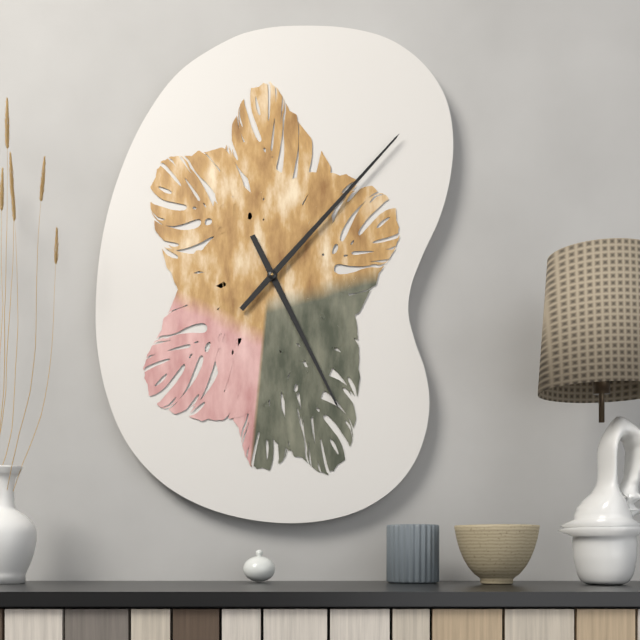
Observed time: 5.07
